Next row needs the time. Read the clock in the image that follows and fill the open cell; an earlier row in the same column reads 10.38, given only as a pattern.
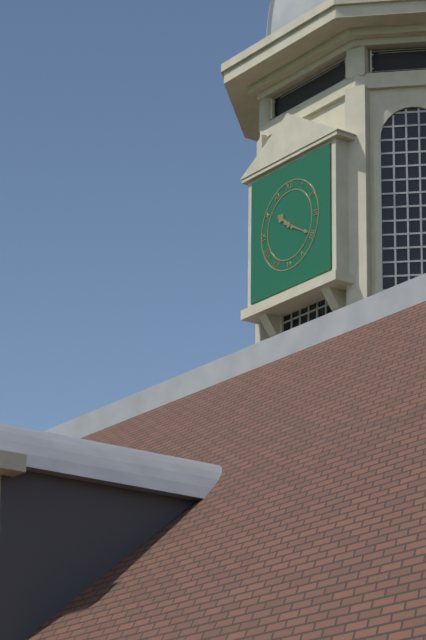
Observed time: 10.20
